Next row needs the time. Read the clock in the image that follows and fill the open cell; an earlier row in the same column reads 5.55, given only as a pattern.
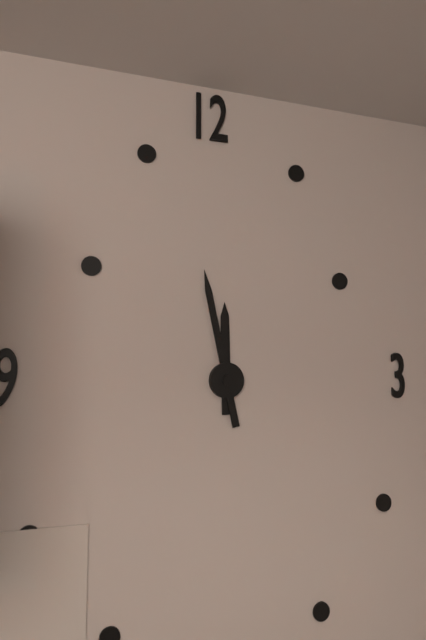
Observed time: 11.58
